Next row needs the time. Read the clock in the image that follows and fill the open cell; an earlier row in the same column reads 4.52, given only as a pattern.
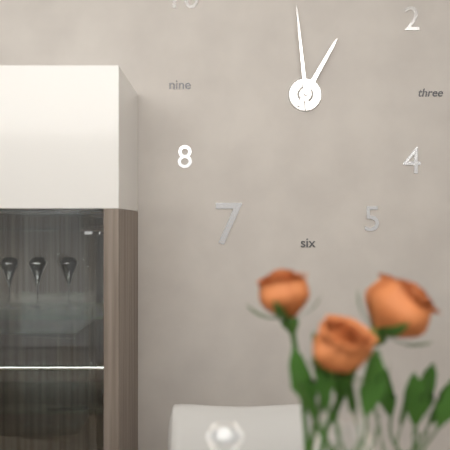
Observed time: 12.59
